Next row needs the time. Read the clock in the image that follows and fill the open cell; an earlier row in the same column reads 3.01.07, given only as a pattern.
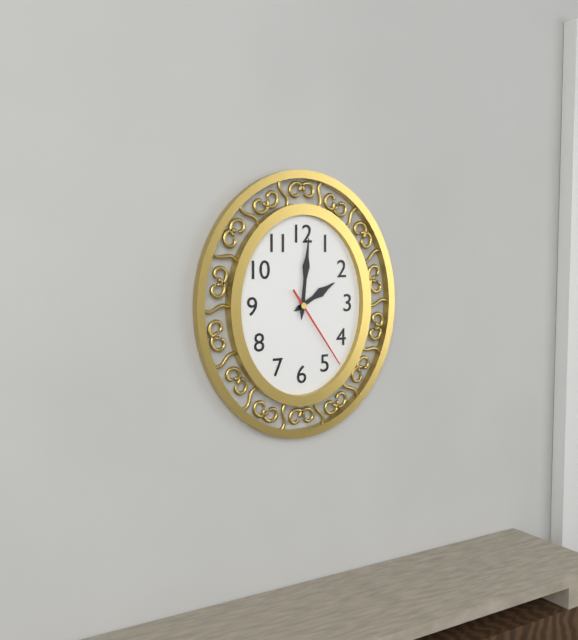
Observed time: 2.01.24
